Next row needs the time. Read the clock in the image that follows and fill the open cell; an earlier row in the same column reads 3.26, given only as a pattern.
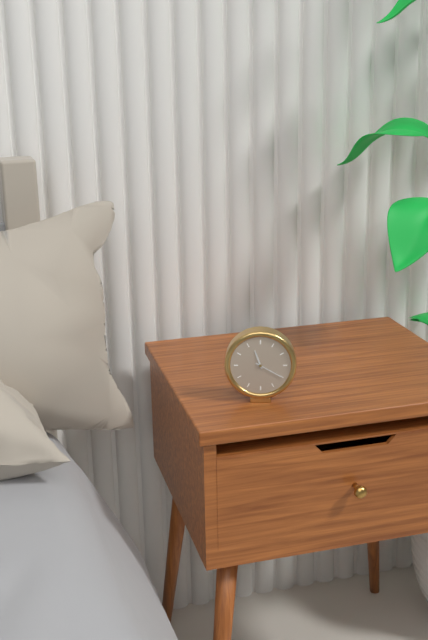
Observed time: 11.20
